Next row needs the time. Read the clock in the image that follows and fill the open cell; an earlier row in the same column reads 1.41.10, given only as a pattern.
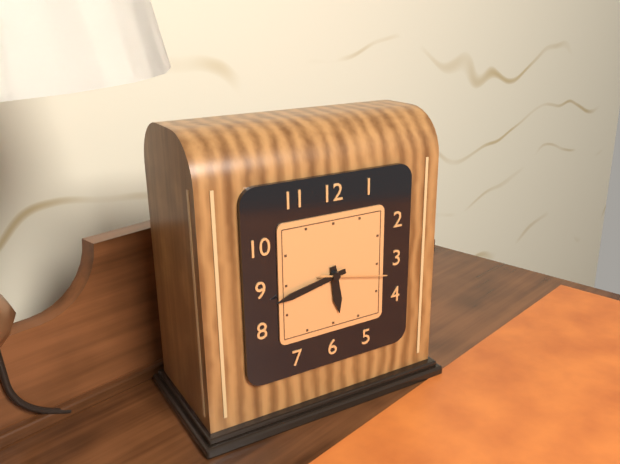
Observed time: 5.43.17
